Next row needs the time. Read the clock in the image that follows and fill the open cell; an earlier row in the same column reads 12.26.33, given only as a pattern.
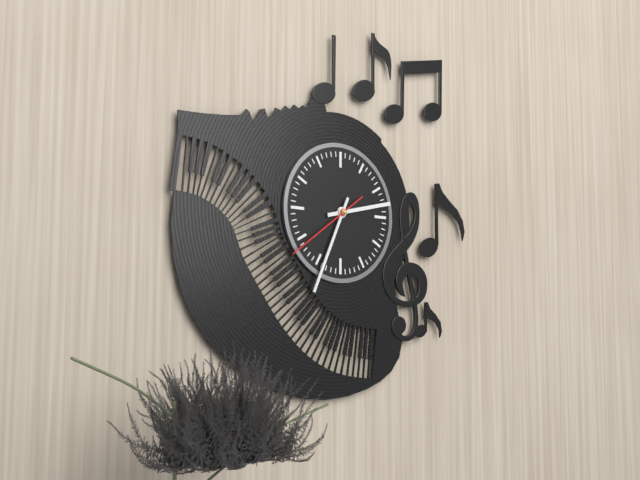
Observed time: 2.34.39
